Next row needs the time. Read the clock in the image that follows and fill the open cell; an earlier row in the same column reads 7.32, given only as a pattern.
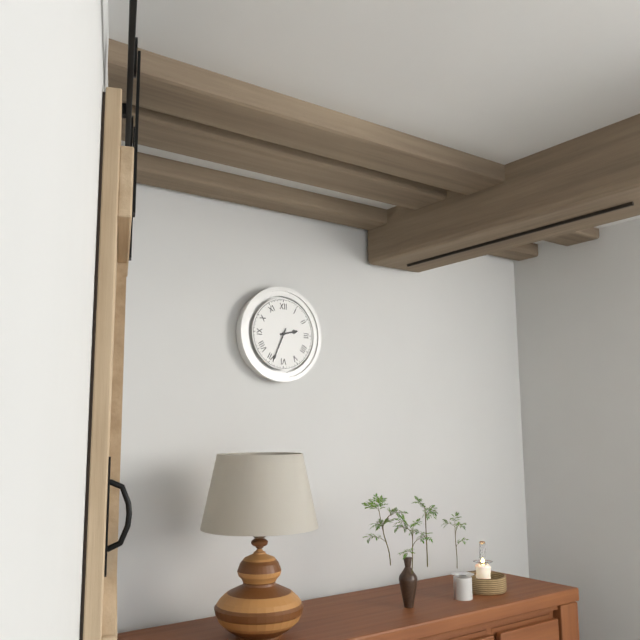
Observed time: 2.34
